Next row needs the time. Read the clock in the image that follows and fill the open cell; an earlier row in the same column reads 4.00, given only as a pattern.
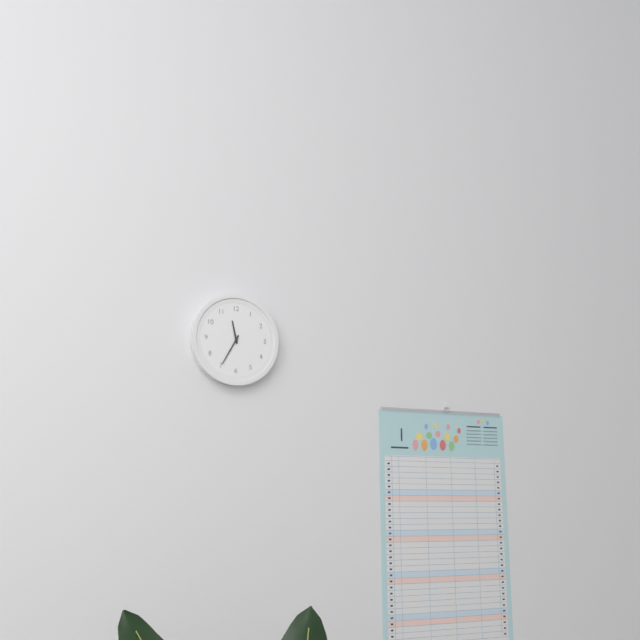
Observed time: 11.35
